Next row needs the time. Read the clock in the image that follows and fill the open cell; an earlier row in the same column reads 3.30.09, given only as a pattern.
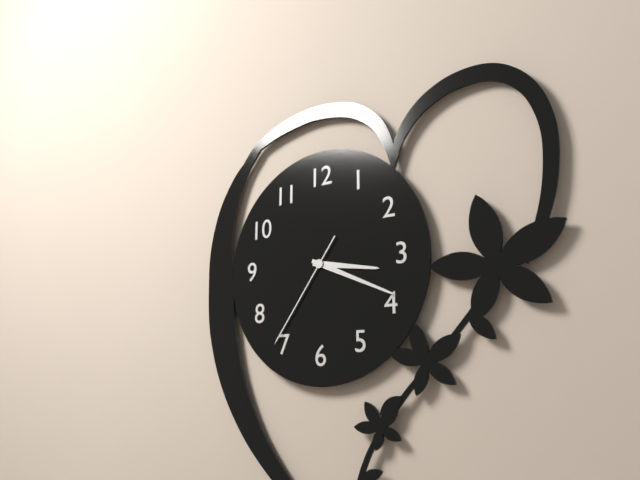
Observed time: 3.19.36
